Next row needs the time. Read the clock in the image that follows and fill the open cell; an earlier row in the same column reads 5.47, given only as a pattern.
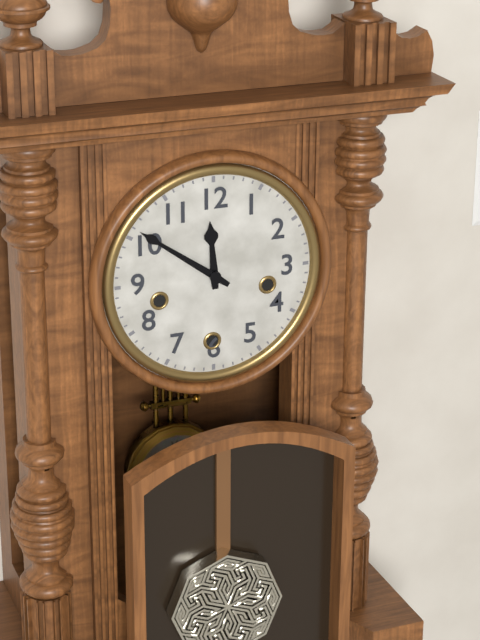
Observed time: 11.51
